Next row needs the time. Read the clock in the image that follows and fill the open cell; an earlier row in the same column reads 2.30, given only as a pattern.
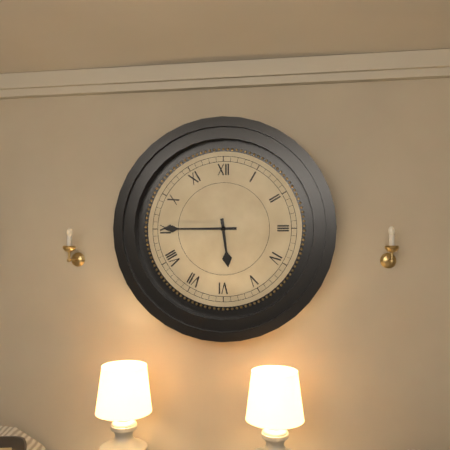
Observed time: 5.45
